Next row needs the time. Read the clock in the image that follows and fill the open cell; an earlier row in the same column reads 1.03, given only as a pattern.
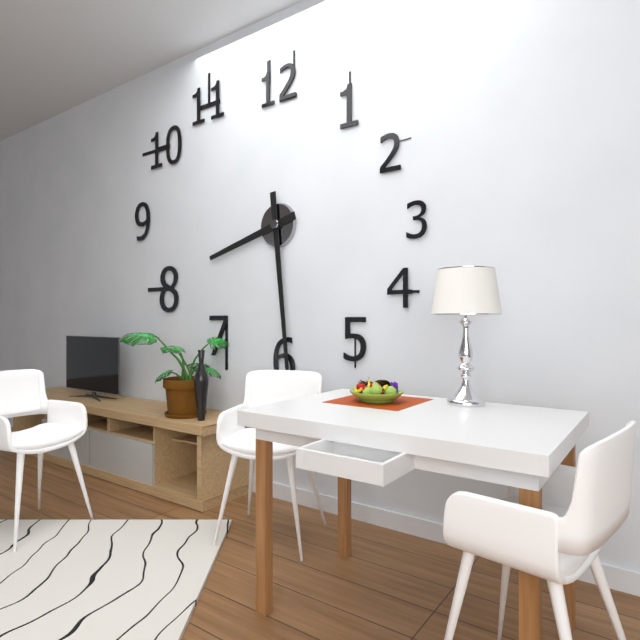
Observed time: 8.29
